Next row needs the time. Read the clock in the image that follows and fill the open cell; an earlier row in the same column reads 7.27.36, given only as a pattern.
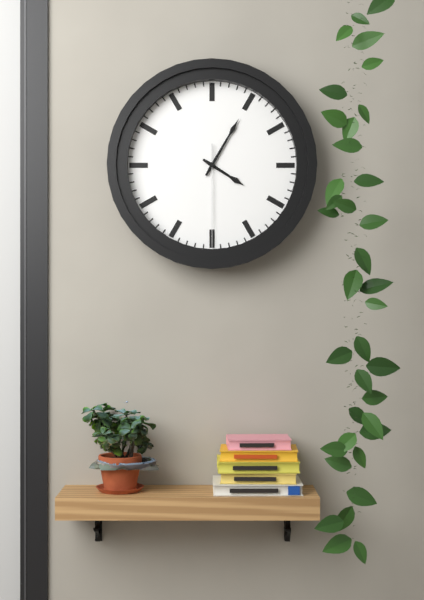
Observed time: 4.05.30
